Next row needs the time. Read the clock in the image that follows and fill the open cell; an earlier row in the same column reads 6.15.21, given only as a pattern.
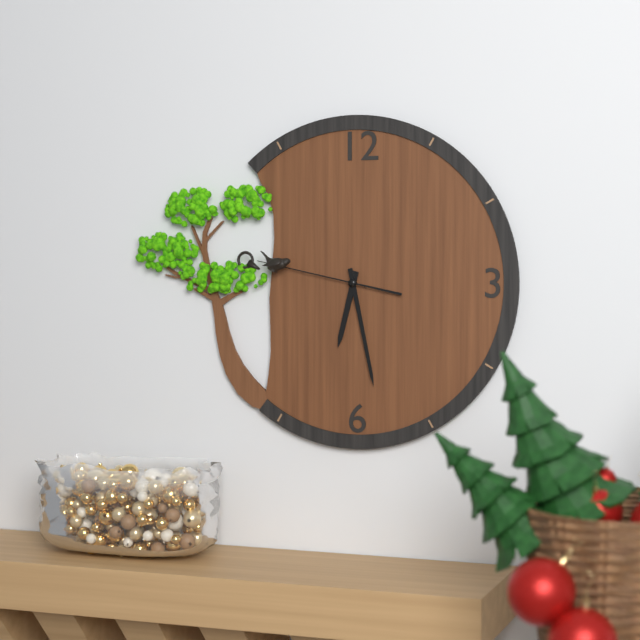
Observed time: 6.28.47
